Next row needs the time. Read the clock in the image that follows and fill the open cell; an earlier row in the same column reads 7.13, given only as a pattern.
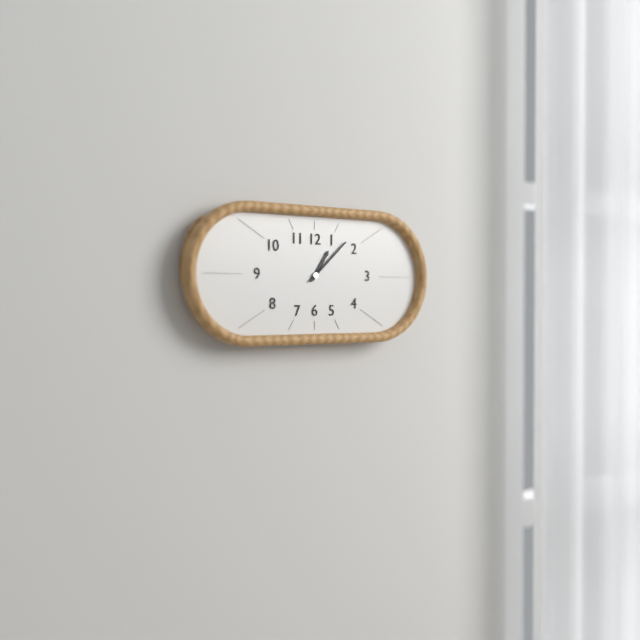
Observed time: 1.08
